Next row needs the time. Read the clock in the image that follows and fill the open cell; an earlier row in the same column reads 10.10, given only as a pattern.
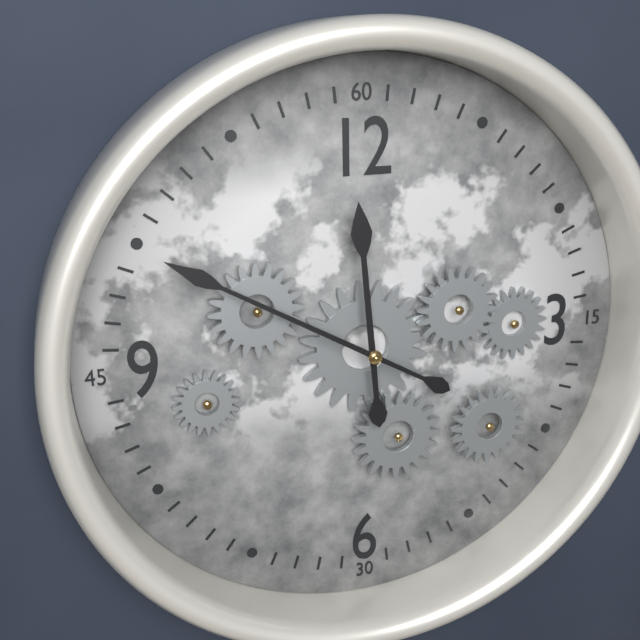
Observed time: 11.50
